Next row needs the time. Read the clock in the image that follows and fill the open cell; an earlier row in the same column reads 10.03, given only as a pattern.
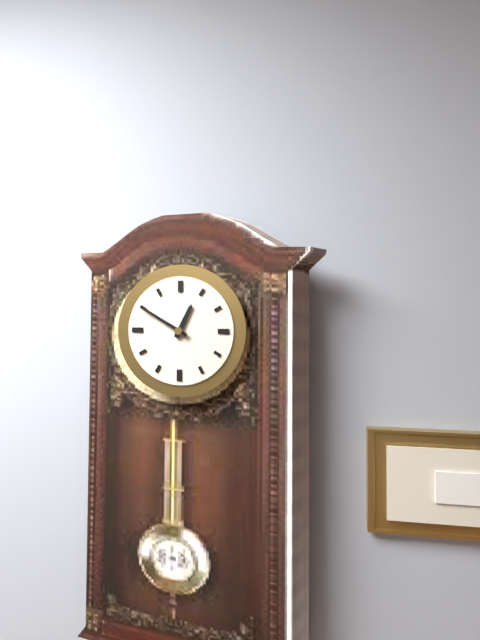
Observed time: 12.50
